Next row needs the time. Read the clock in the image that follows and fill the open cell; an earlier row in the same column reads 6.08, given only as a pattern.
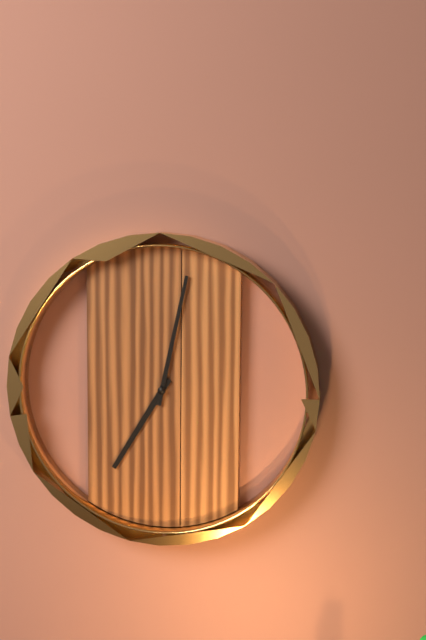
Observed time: 7.02
